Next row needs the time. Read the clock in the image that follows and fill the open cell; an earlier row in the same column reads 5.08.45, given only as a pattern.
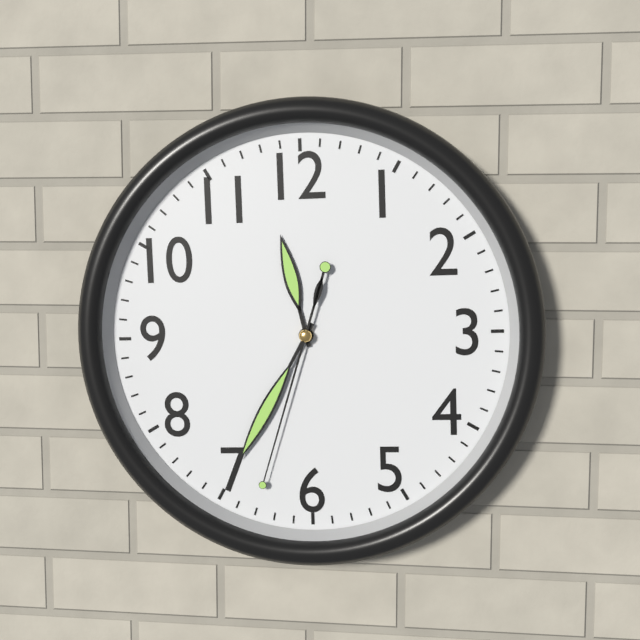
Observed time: 11.35.33
